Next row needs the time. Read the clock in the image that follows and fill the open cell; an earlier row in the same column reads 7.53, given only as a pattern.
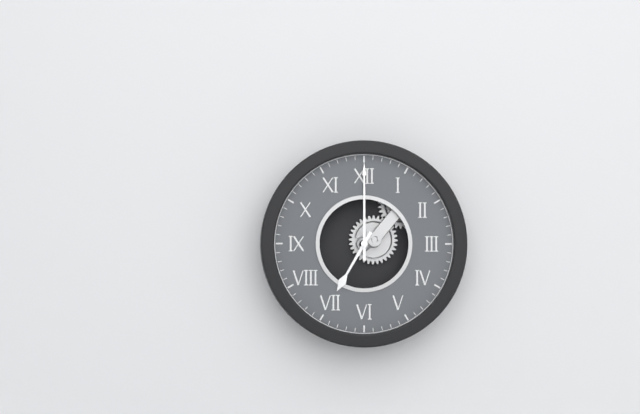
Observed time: 7.00
